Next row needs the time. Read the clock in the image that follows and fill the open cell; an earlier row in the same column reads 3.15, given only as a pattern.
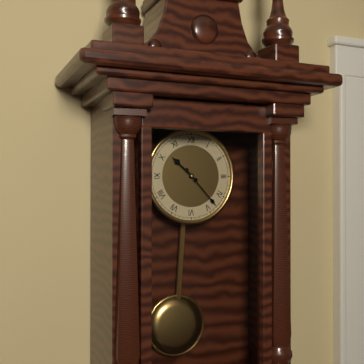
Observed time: 10.23
